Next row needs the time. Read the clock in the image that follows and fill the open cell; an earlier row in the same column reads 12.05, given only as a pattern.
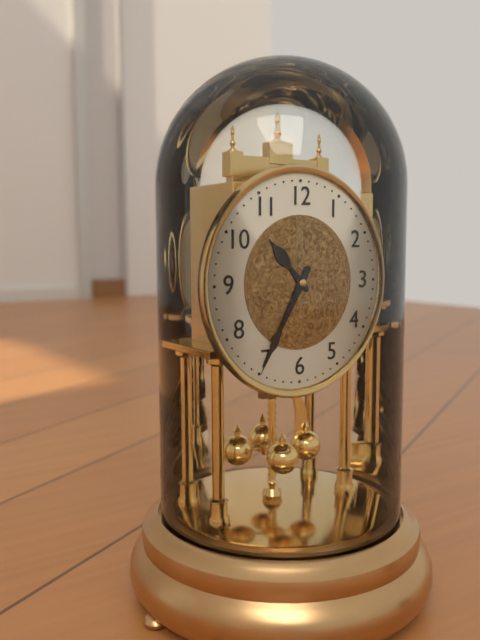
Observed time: 10.35
